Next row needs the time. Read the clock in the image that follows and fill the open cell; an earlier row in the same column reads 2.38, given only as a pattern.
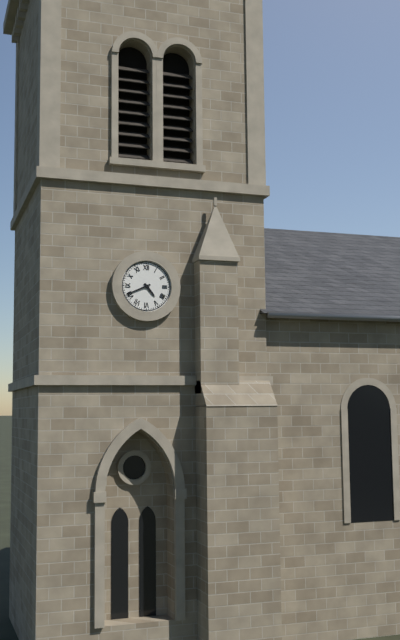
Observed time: 4.41
